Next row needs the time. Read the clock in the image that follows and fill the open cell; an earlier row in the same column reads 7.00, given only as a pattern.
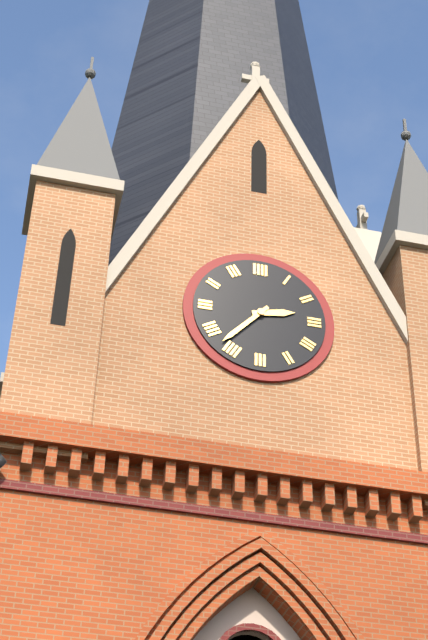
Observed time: 2.37
